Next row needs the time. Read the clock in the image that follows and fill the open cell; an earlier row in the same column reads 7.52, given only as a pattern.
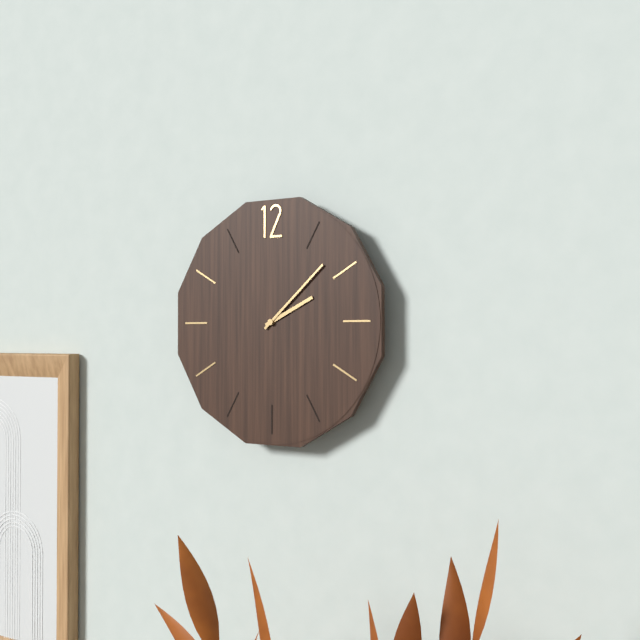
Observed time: 2.08
